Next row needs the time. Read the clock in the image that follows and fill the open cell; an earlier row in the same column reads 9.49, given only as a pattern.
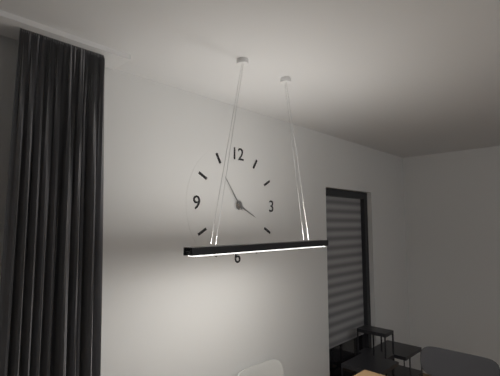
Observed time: 3.54
